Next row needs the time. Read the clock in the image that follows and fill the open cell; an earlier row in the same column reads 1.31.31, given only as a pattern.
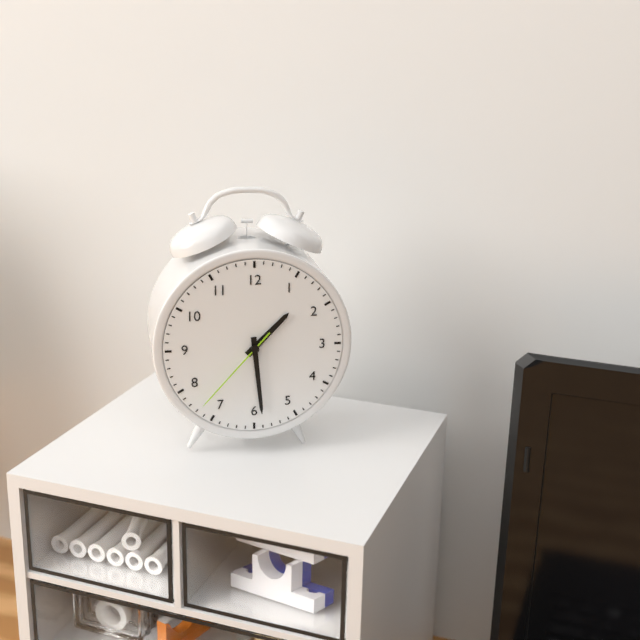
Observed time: 1.29.37
